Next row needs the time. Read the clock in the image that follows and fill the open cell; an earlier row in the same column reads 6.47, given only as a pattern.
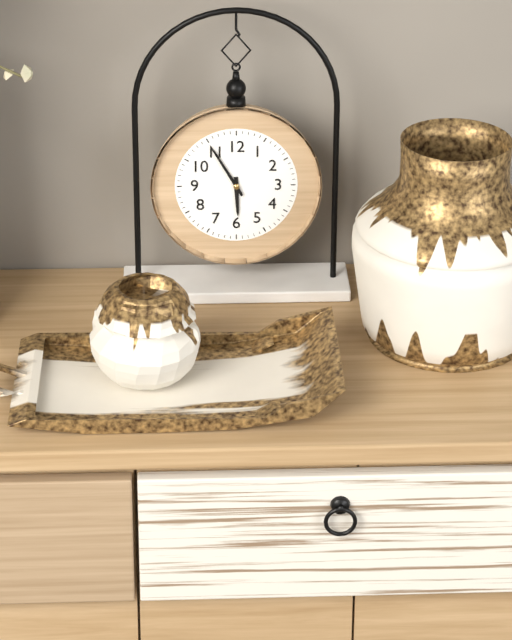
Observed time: 5.55
